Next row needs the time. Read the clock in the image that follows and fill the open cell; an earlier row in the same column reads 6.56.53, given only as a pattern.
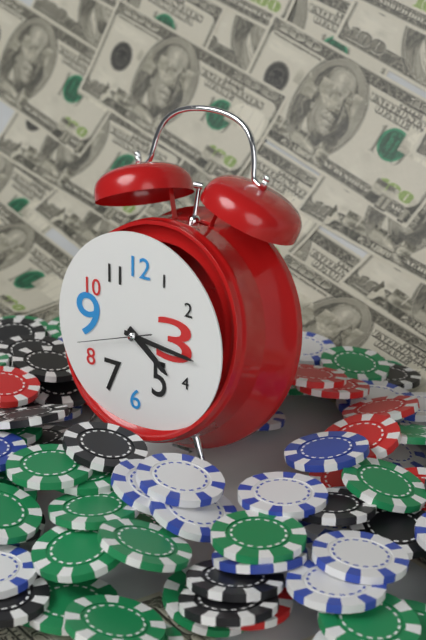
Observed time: 4.16.42
